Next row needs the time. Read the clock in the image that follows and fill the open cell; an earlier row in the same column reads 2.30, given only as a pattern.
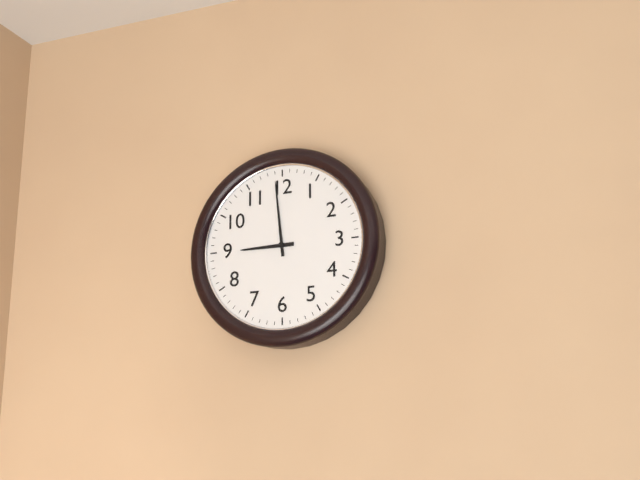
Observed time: 8.59
